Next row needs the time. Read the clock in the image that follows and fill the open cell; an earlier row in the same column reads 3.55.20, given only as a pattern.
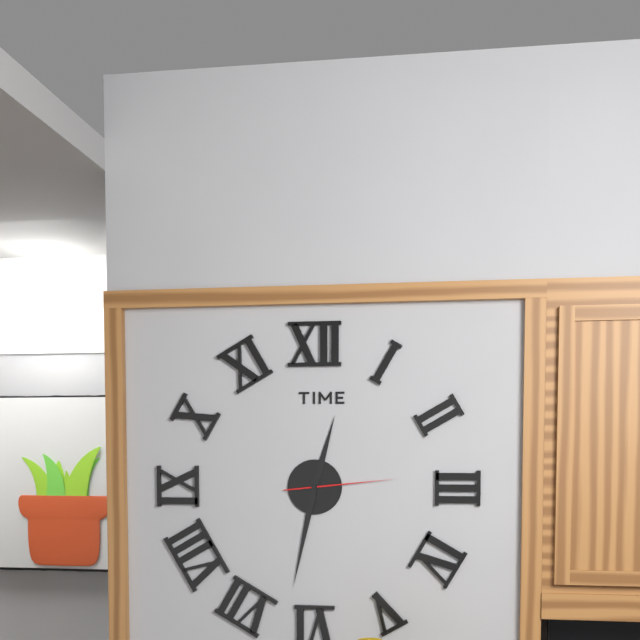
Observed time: 12.32.14
